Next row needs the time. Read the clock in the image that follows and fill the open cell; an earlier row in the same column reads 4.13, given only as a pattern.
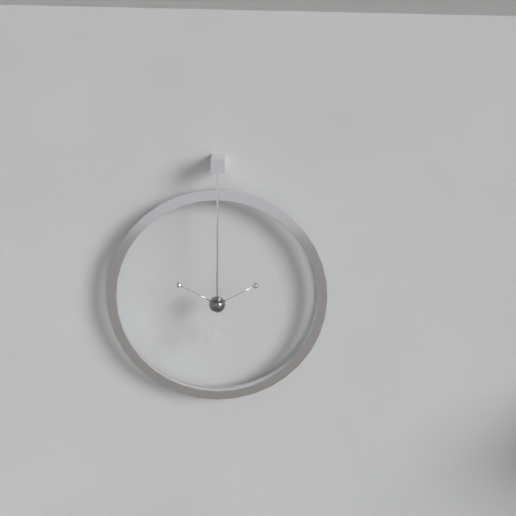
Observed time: 5.33
